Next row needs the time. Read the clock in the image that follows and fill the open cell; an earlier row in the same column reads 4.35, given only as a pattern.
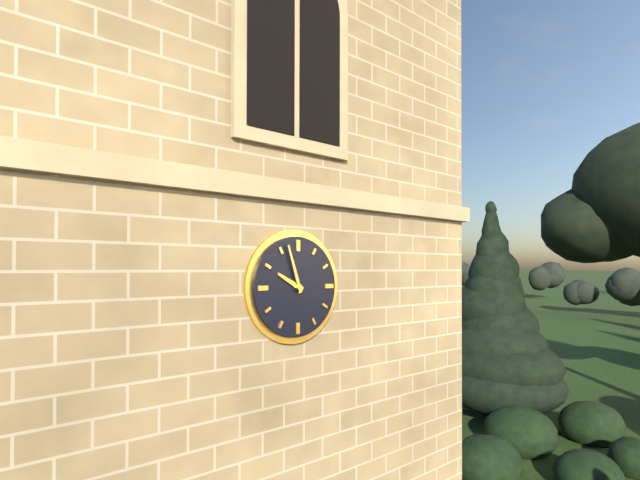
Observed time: 9.57
